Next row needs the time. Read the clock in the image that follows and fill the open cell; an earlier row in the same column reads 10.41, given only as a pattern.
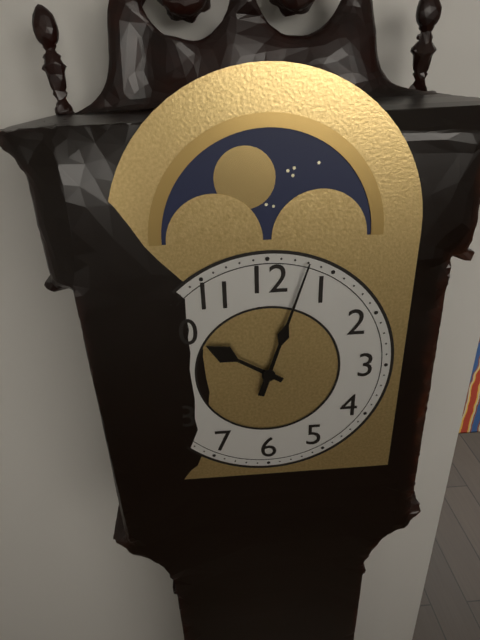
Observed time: 10.03
